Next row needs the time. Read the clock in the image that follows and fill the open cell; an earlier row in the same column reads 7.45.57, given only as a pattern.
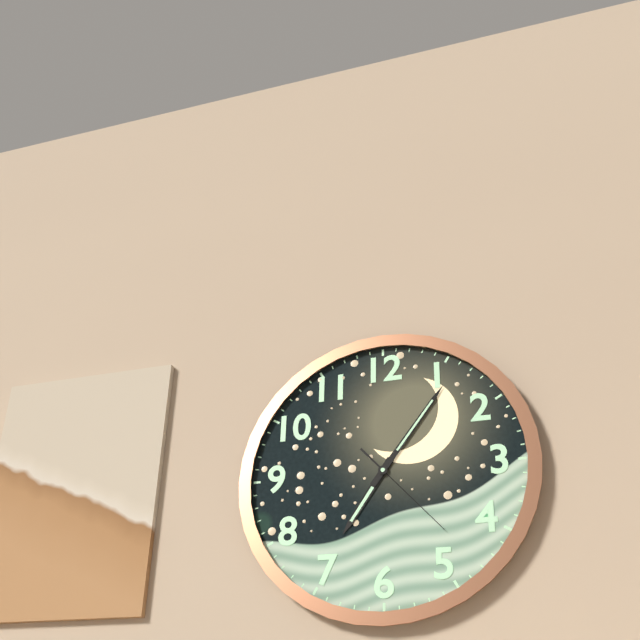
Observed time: 7.06.23
